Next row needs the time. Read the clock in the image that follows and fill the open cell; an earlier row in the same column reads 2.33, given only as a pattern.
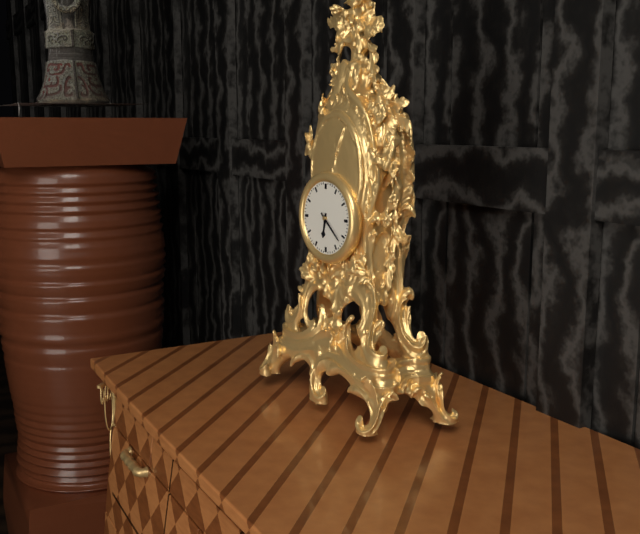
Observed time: 6.22
